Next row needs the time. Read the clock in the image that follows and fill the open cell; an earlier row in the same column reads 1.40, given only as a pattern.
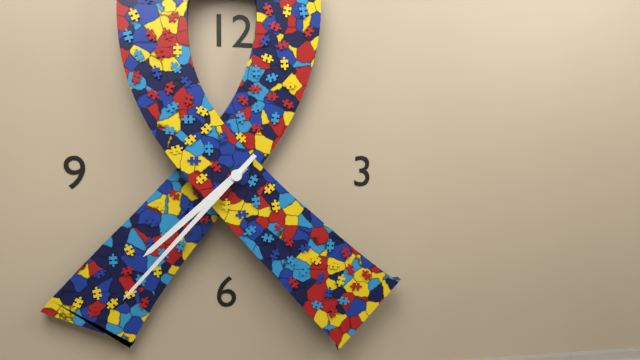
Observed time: 7.37
